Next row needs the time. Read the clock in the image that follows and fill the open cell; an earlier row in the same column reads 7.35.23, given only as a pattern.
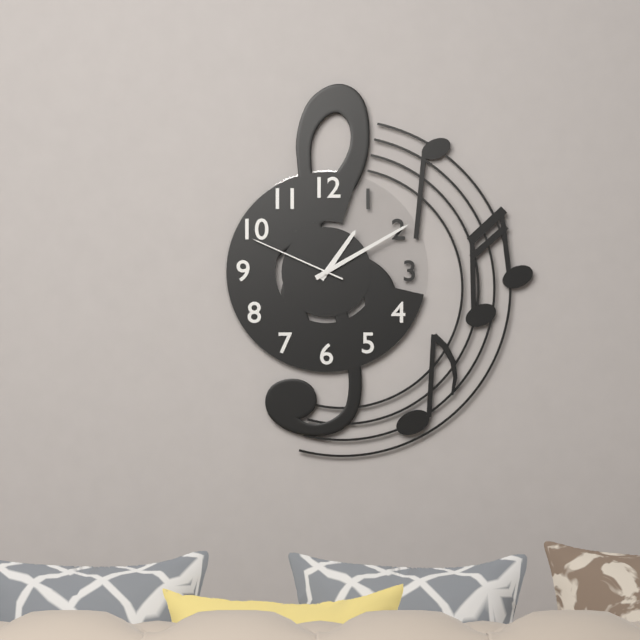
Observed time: 1.10.49
